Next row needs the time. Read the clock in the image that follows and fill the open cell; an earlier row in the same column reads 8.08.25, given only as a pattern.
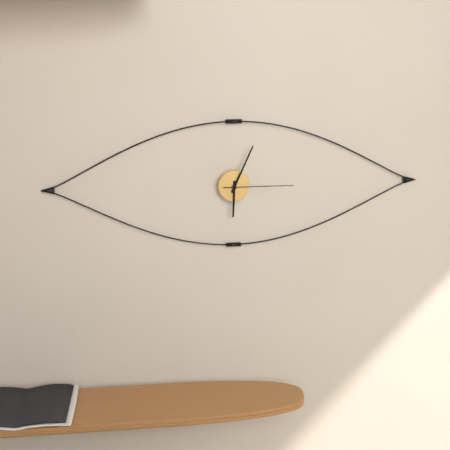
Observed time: 6.04.15
